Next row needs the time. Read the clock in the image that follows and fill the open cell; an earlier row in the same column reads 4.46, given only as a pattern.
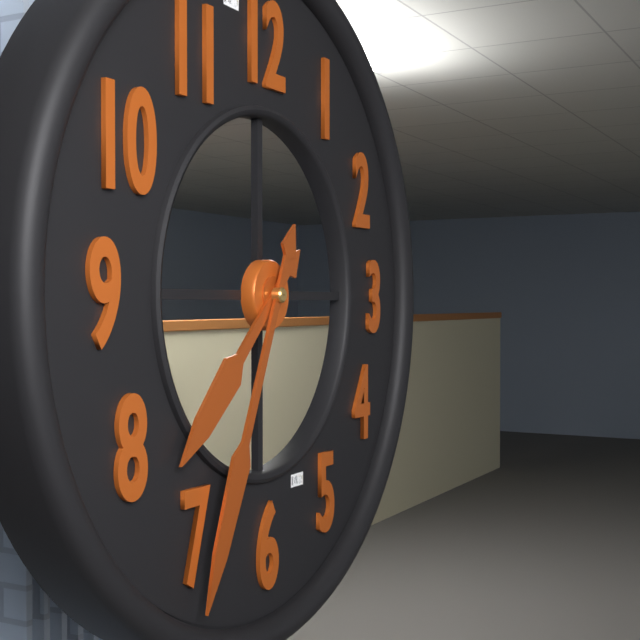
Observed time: 7.34
